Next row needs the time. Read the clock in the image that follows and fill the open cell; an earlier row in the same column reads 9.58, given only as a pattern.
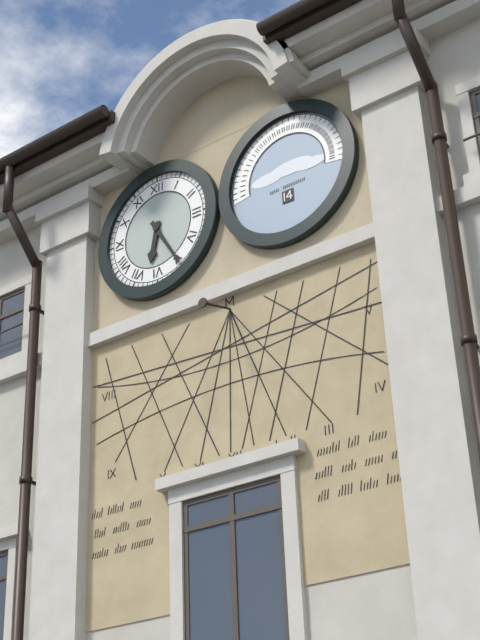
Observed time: 6.25
